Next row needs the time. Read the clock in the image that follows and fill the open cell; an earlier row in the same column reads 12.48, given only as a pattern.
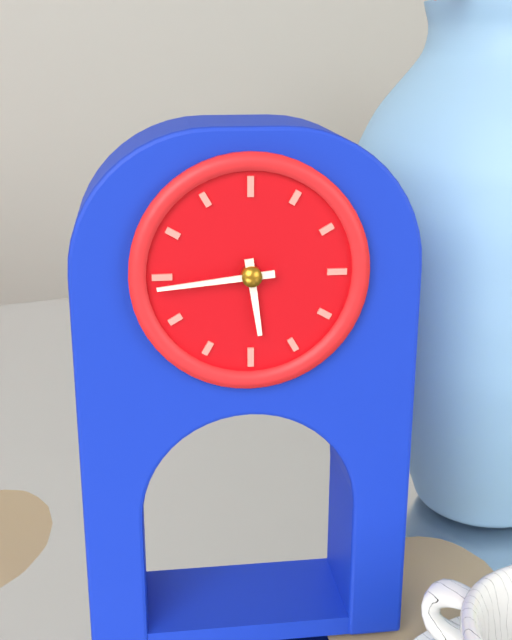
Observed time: 5.44
